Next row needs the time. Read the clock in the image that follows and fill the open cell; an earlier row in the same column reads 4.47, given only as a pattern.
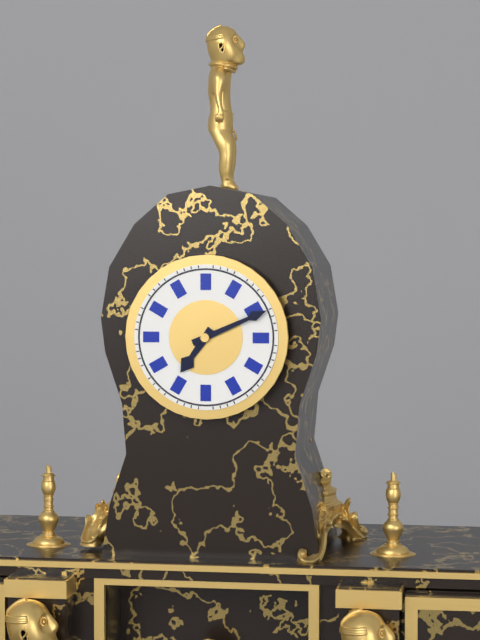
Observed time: 7.11
